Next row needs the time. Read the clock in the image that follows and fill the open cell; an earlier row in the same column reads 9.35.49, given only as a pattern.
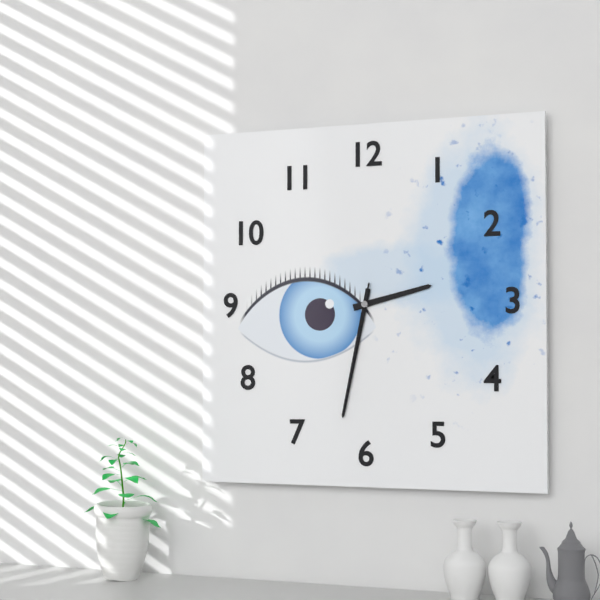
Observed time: 2.32.32
